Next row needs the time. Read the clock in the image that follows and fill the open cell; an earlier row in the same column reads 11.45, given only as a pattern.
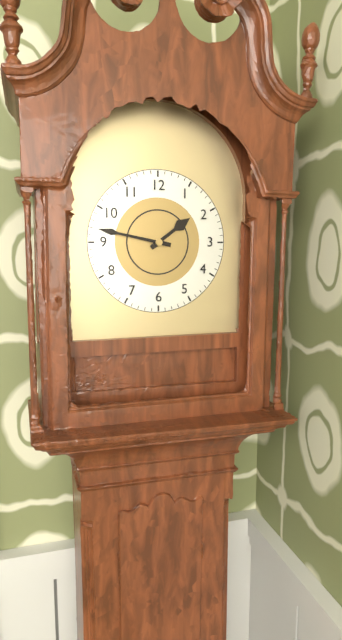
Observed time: 1.47
